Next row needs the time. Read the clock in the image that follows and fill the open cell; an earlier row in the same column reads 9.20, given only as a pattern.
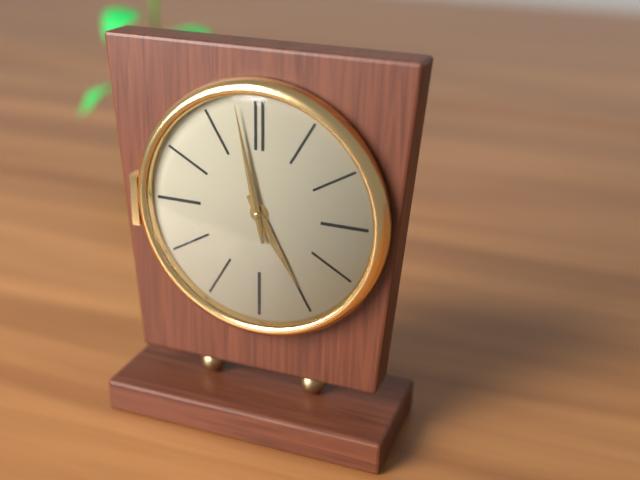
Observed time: 4.58
